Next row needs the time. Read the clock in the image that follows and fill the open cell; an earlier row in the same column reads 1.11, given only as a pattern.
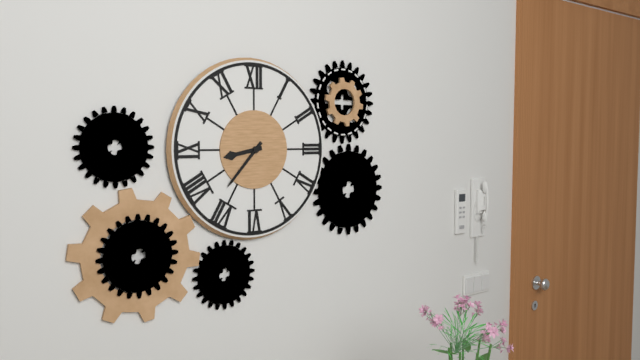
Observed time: 8.37
